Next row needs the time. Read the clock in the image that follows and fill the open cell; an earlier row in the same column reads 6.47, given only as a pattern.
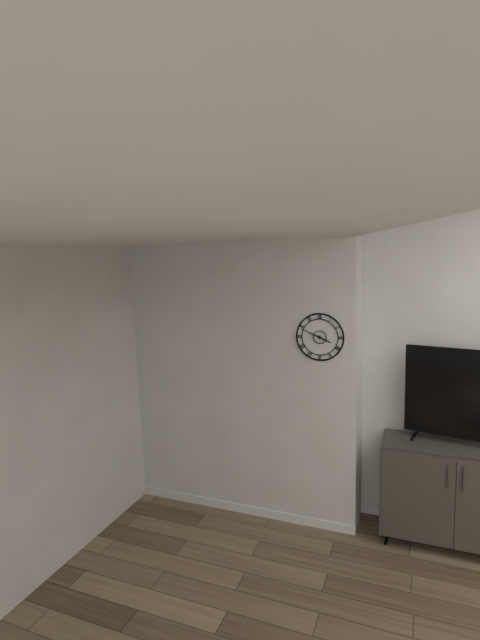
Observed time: 3.49
